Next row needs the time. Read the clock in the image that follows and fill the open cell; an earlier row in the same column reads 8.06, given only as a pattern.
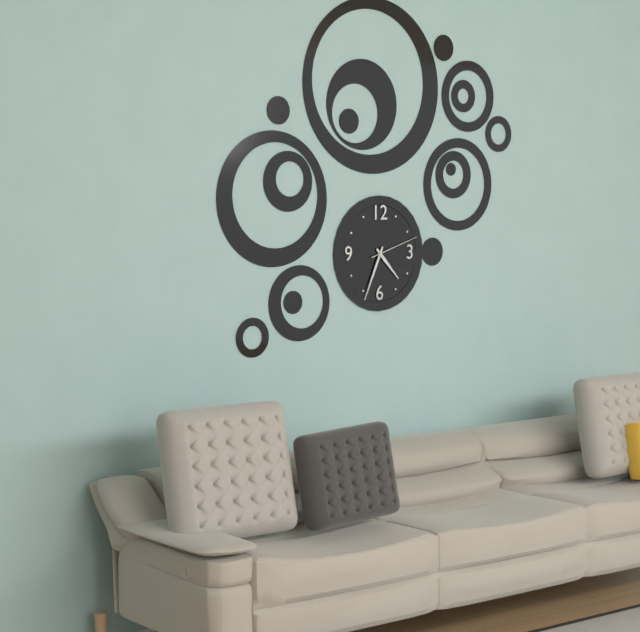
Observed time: 4.34
